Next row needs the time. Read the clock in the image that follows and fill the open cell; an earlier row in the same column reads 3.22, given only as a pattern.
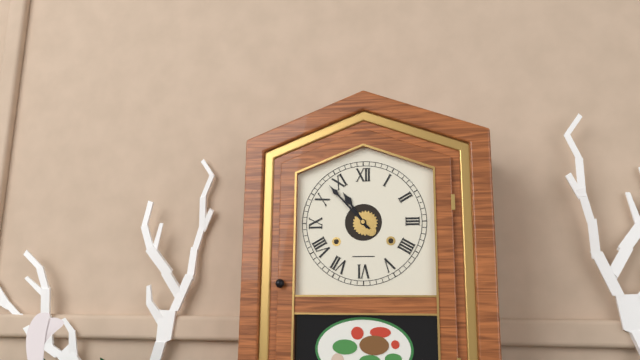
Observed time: 10.53
